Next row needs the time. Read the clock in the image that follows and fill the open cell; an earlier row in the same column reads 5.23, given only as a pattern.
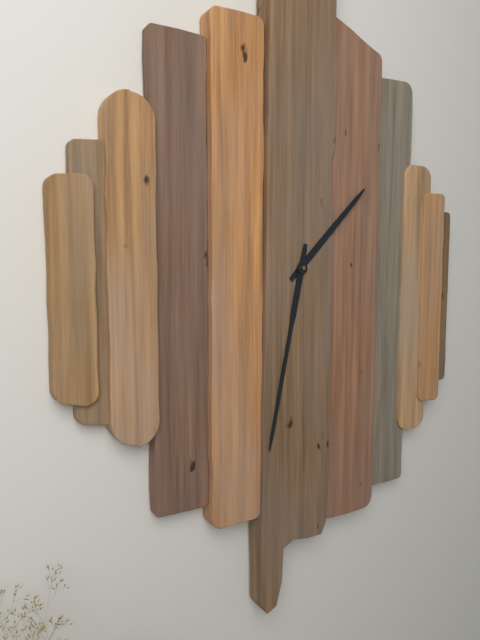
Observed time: 1.32
